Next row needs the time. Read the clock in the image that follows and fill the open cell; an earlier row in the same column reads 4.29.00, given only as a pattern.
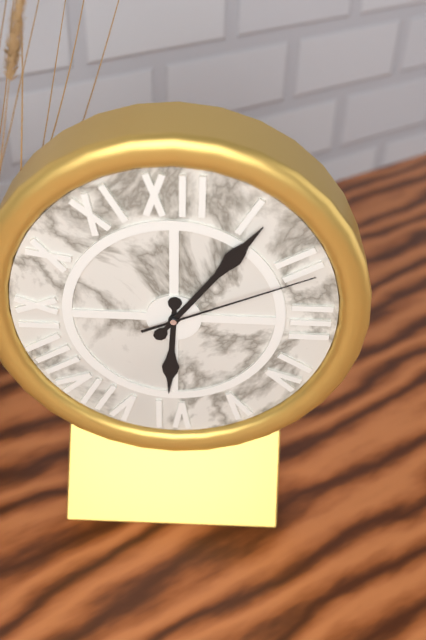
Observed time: 6.06.11
